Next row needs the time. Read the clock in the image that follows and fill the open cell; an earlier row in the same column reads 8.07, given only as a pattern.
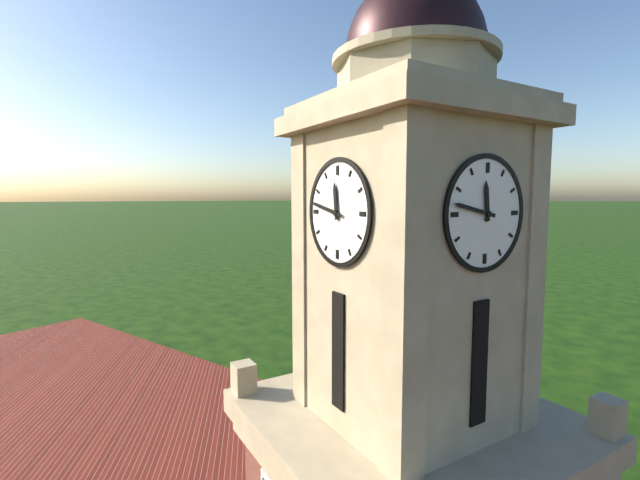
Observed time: 11.47
